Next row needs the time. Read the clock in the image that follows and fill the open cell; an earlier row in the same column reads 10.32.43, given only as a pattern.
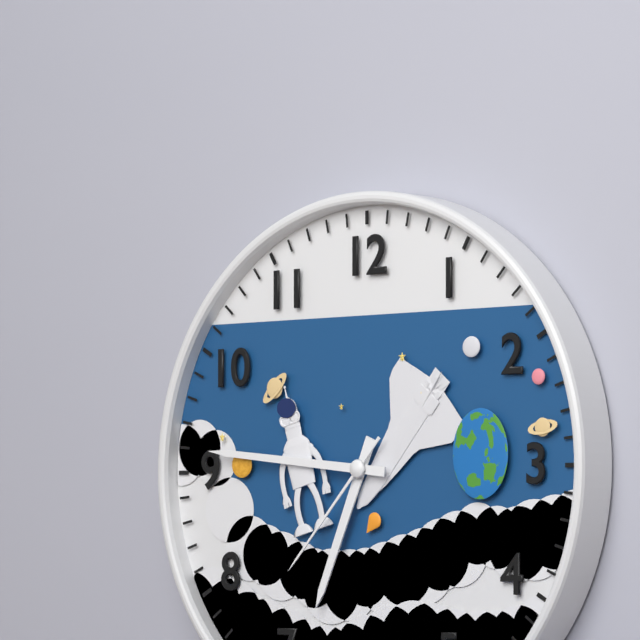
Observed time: 6.46.37
